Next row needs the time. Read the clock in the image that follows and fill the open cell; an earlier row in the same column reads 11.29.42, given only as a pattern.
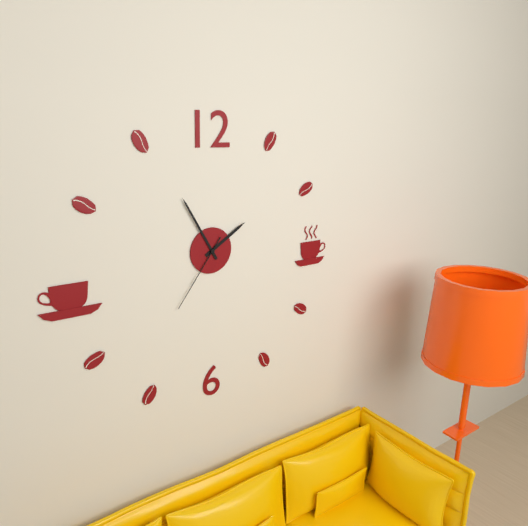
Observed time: 1.55.36
